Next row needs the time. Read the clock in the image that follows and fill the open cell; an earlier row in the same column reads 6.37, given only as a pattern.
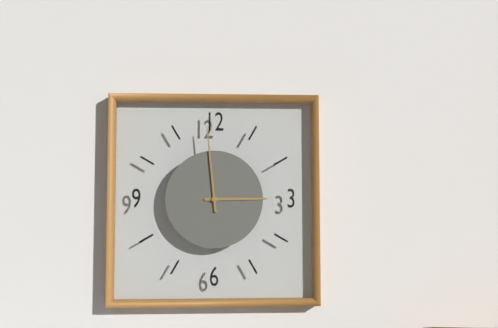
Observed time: 2.59
